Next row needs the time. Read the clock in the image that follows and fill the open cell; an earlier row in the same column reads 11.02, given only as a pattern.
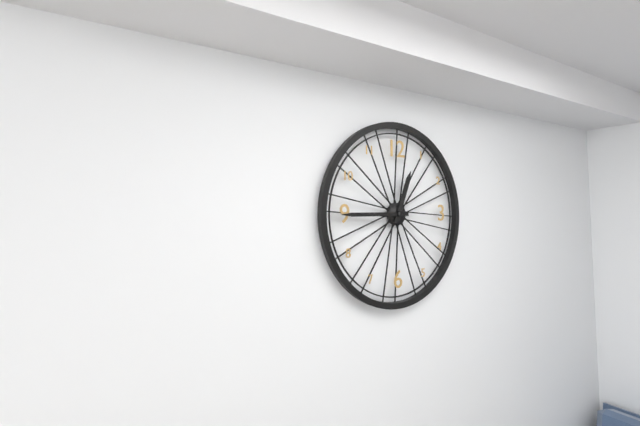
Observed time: 12.45
